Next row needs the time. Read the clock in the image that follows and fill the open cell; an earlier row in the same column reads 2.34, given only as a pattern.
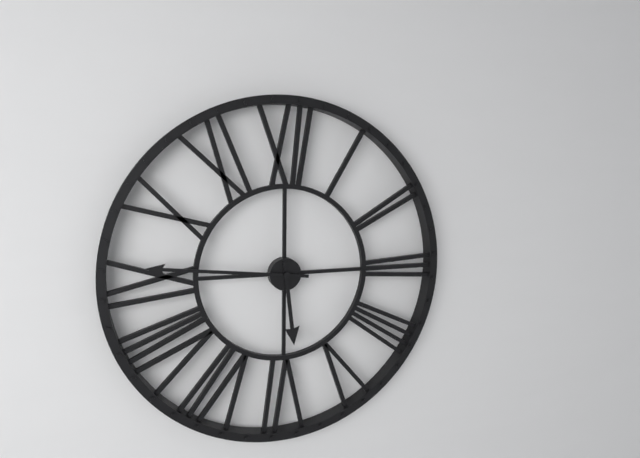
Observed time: 5.46
